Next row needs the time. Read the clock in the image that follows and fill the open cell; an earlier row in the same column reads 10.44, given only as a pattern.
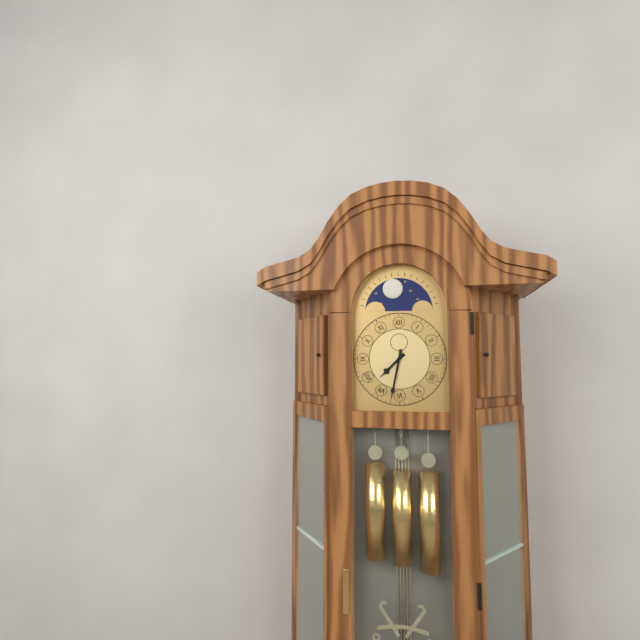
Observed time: 7.32
